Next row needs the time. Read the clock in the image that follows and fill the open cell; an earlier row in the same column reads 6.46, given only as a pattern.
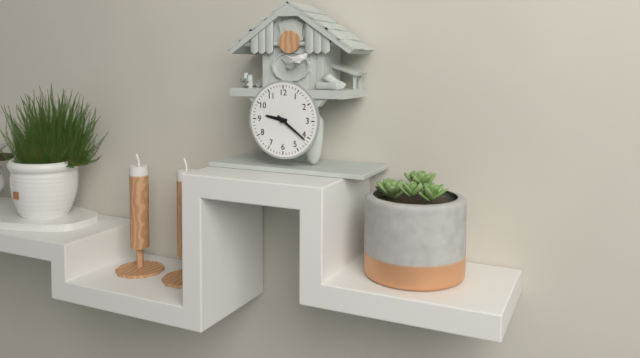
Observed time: 9.21
